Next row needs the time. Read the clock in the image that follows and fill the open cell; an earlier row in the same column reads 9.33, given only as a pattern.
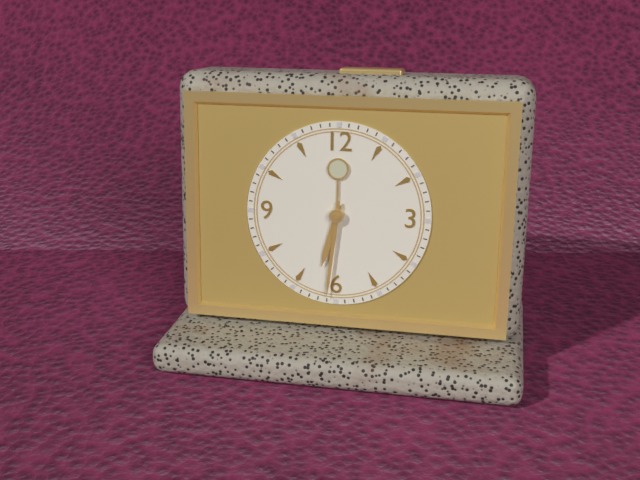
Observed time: 6.31
